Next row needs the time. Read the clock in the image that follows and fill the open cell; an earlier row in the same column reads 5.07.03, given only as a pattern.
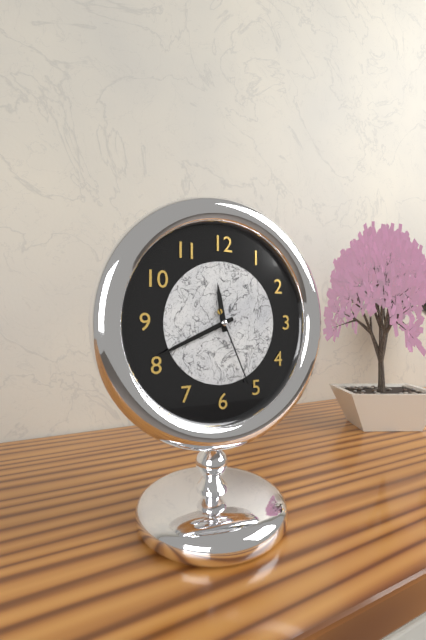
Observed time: 11.41.26
